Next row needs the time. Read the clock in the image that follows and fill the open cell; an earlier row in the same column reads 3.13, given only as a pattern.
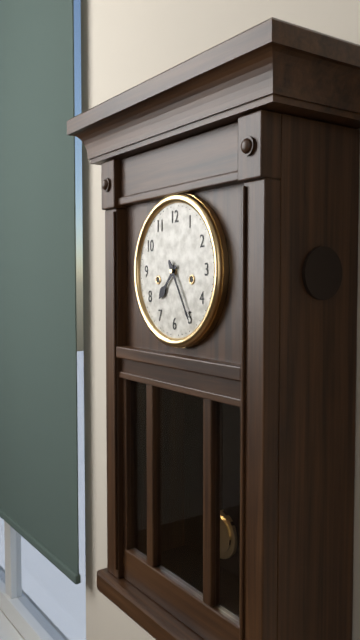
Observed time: 7.25
